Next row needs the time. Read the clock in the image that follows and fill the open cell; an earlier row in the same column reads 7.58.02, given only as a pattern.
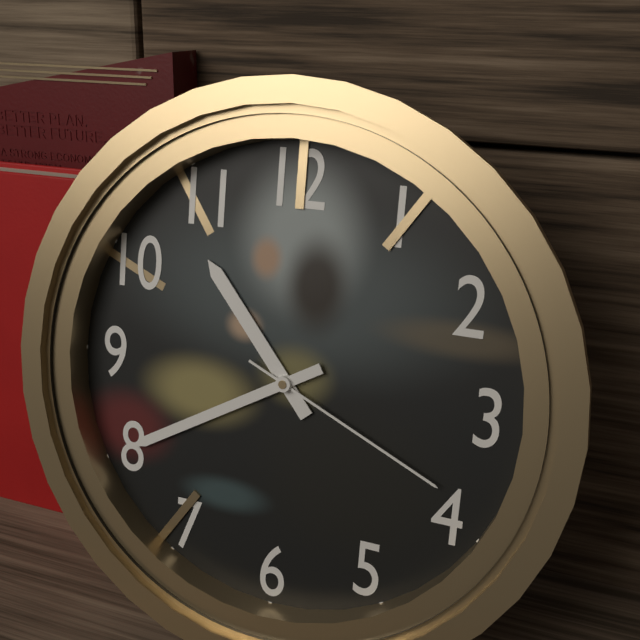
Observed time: 10.40.19
